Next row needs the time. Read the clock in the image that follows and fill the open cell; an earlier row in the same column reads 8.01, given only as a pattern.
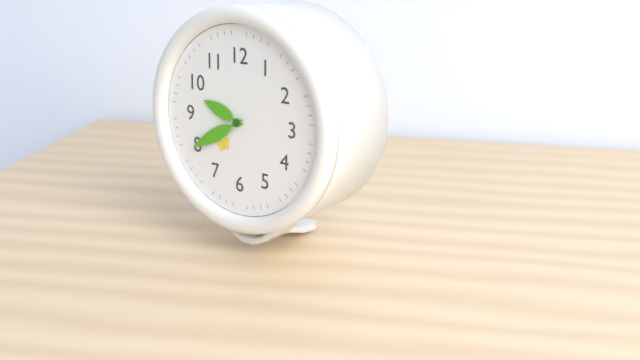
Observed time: 9.40
